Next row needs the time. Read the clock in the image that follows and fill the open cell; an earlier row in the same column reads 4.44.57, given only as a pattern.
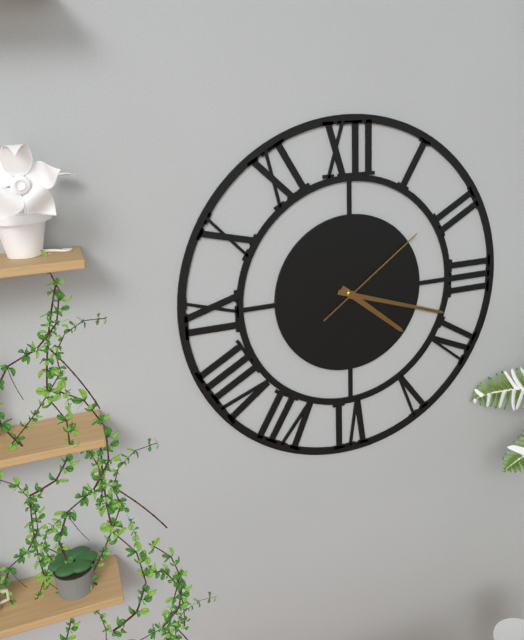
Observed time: 4.18.09
